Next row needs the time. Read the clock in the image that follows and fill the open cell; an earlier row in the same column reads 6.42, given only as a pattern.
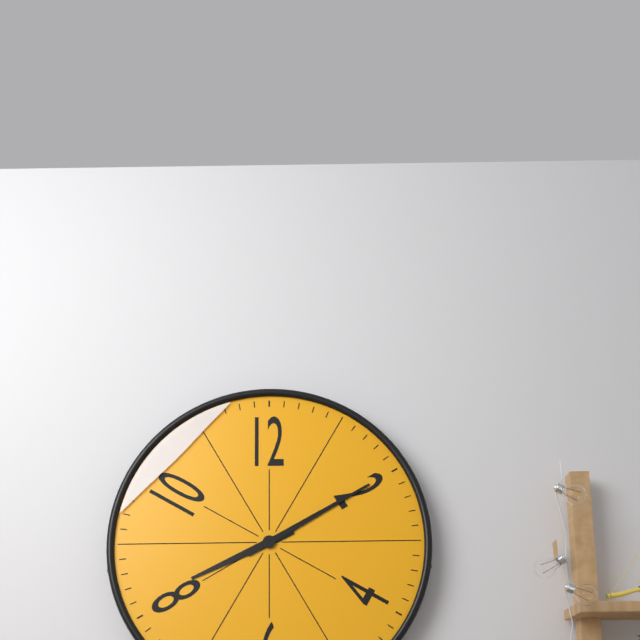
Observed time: 8.10
